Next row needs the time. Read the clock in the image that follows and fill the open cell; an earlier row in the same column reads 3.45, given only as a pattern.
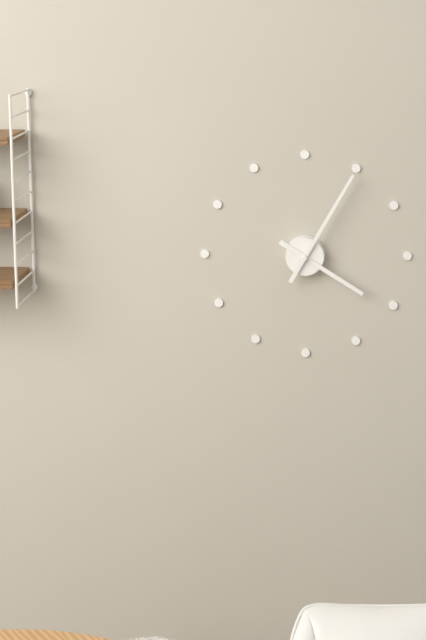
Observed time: 4.05
